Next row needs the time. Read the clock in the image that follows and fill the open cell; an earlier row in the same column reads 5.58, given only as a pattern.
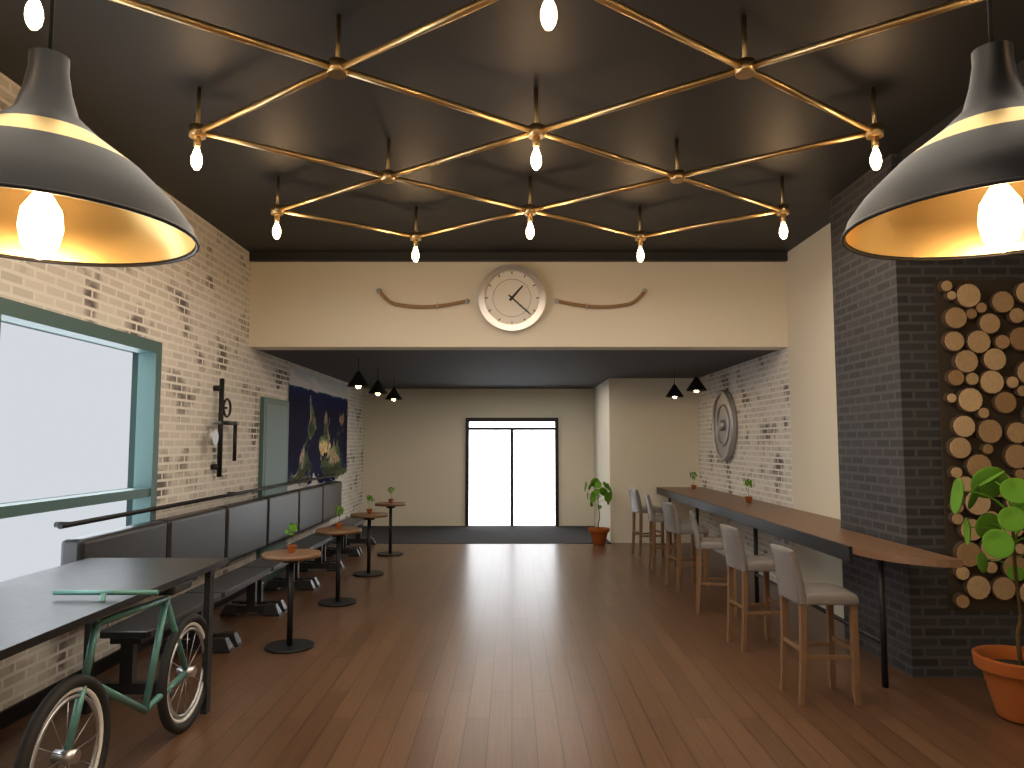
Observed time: 1.22
